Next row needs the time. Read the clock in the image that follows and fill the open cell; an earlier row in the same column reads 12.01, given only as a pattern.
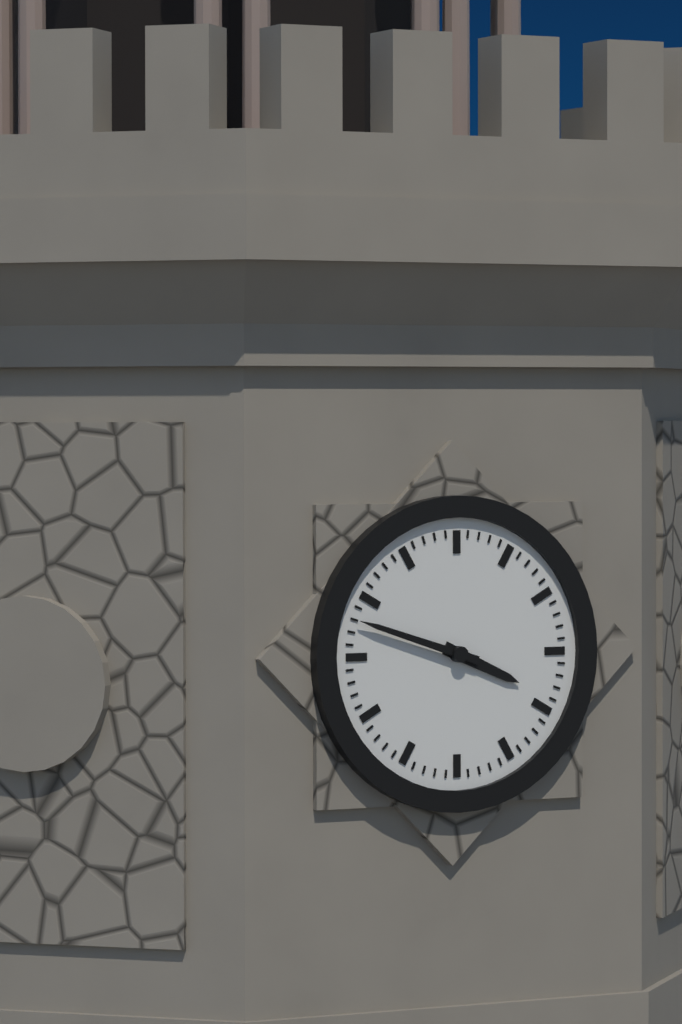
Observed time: 3.48
